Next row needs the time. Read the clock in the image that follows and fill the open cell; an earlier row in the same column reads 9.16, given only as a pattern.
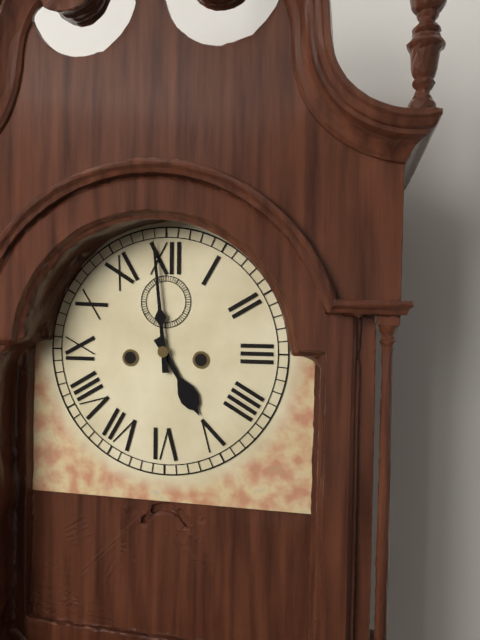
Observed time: 4.59
